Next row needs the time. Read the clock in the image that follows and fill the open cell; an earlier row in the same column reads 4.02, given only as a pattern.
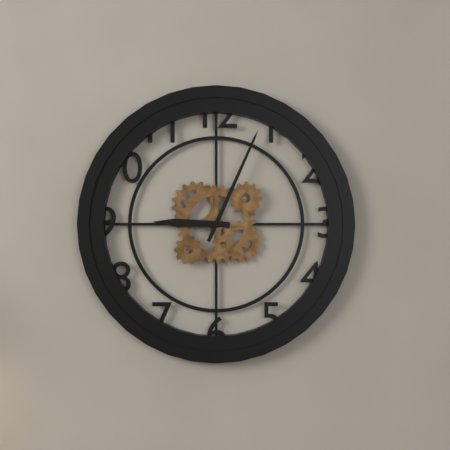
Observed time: 9.04
